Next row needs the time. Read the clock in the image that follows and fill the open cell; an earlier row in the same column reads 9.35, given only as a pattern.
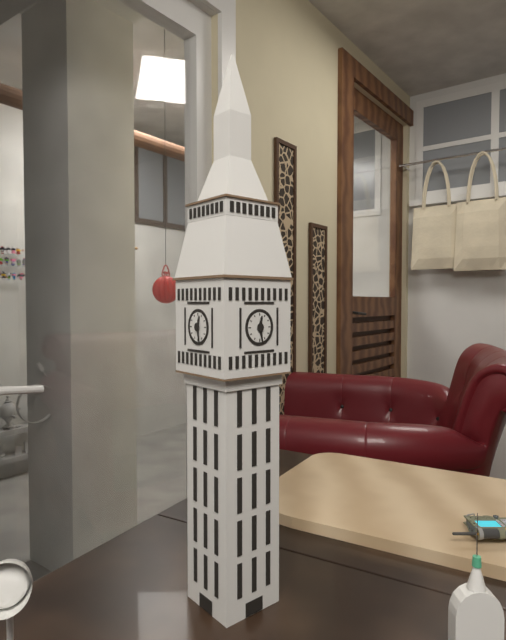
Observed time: 12.28
